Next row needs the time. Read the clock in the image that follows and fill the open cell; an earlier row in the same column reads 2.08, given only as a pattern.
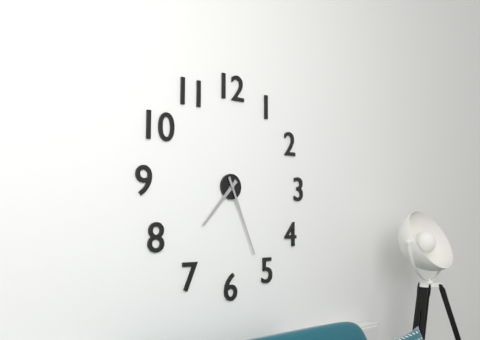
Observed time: 7.26
